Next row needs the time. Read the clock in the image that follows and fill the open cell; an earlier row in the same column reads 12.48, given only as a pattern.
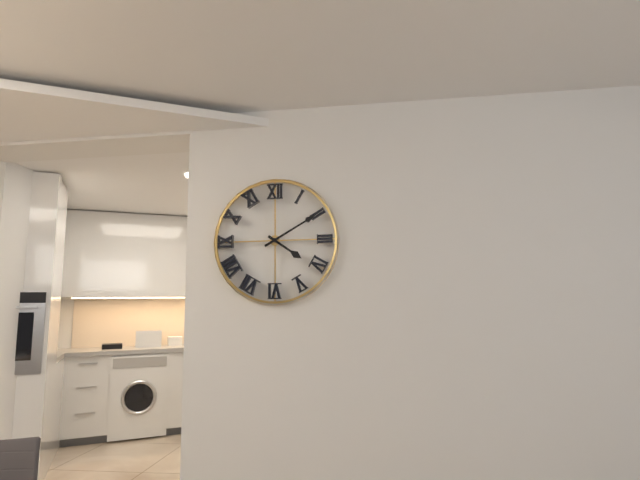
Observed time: 4.10
